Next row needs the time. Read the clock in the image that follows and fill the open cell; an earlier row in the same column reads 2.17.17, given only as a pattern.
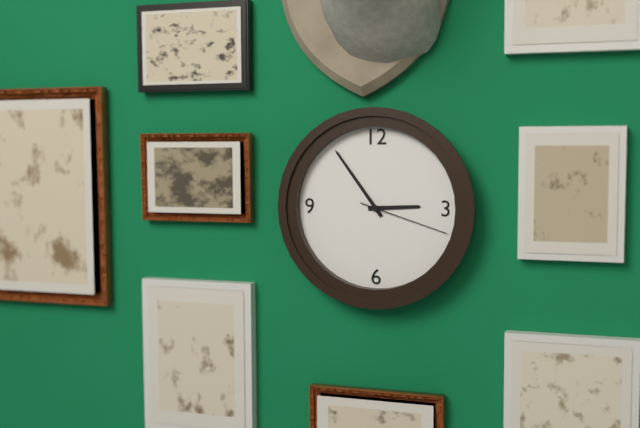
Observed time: 2.54.18
